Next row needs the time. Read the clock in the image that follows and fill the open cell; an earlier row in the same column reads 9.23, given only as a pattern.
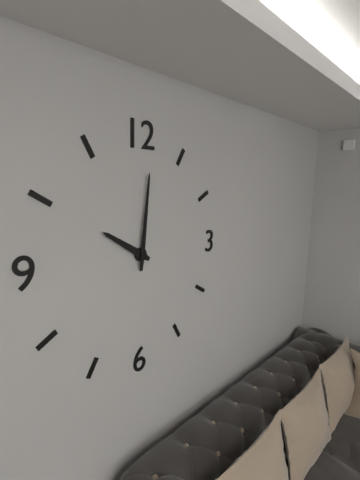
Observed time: 10.01
